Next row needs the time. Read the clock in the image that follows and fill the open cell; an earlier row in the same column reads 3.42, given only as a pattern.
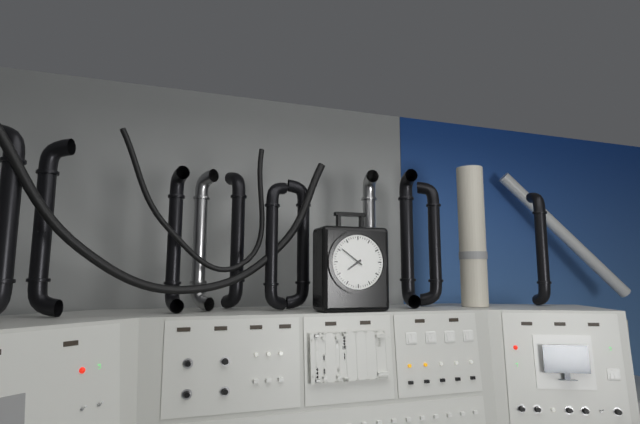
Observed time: 7.51
